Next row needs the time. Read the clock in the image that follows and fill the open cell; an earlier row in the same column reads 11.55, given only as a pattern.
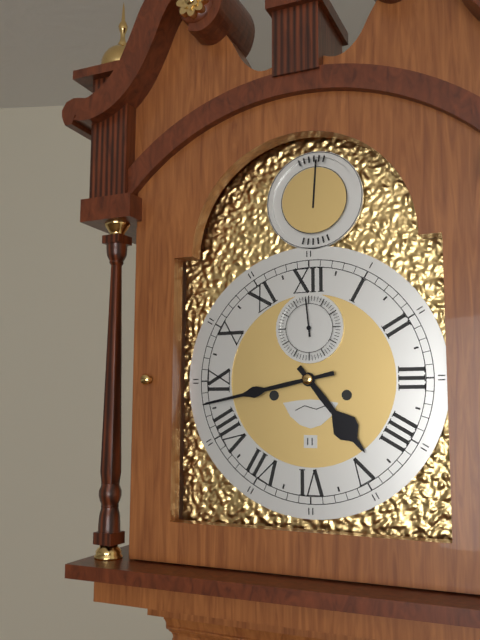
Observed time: 4.43
